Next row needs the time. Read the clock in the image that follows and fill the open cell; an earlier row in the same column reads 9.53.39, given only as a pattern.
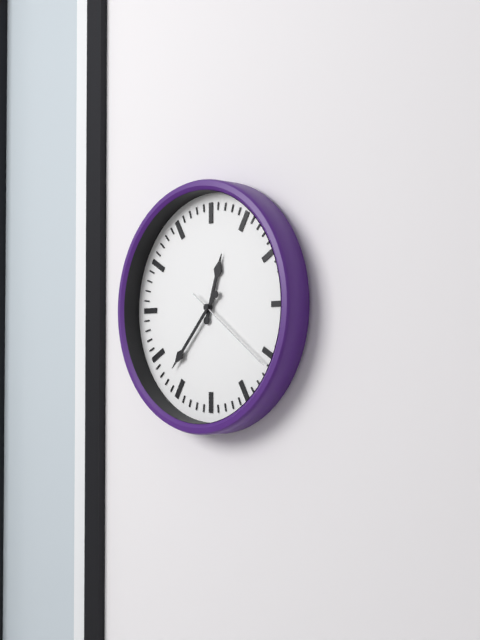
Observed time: 12.37.21
